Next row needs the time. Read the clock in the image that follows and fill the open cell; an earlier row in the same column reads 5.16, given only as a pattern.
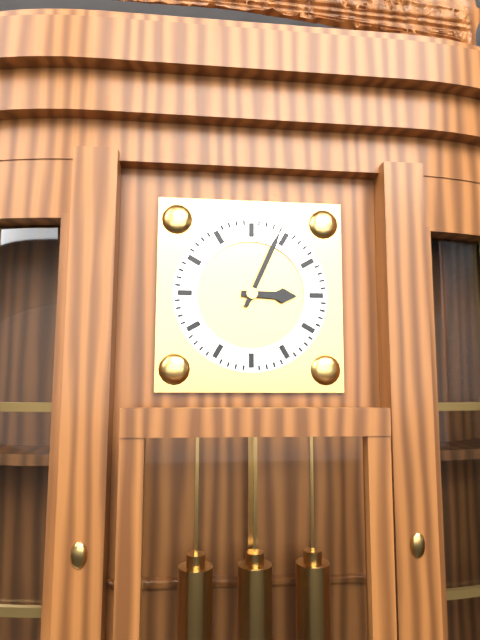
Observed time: 3.04
